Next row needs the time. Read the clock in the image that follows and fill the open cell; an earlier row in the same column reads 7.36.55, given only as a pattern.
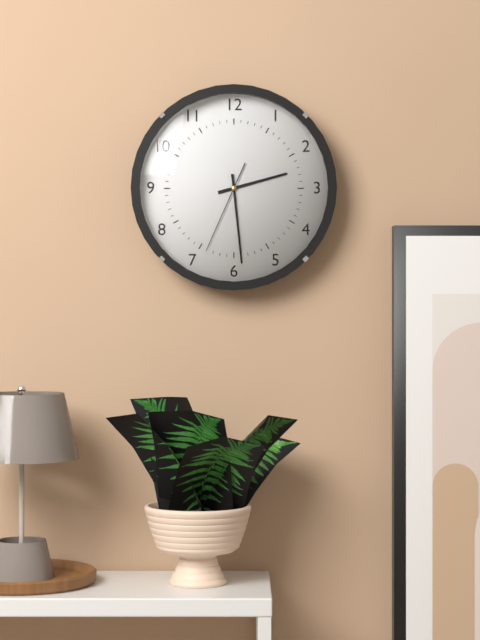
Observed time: 2.29.34
